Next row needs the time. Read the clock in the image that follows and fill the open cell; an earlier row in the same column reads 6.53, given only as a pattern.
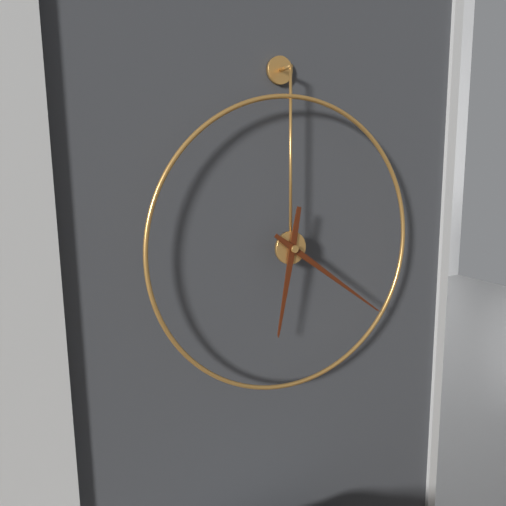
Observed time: 6.21
